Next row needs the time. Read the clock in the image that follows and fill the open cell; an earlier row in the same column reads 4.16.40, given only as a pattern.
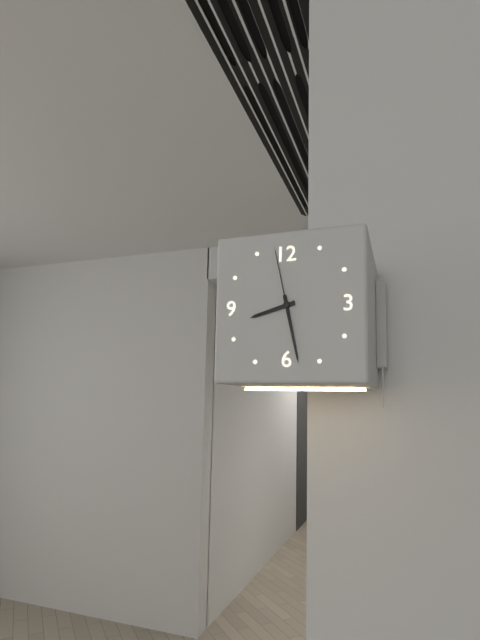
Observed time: 8.28.58
